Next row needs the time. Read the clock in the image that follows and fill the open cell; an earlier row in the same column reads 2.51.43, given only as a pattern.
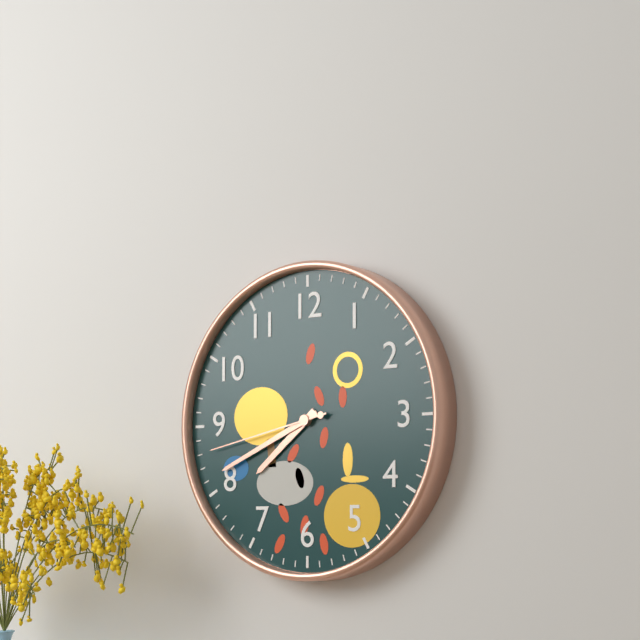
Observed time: 7.41.43
